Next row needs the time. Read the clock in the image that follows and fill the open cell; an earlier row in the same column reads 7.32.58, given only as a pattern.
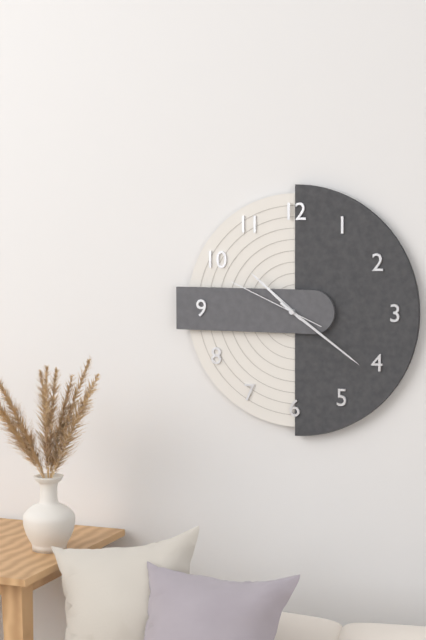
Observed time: 10.21.49
